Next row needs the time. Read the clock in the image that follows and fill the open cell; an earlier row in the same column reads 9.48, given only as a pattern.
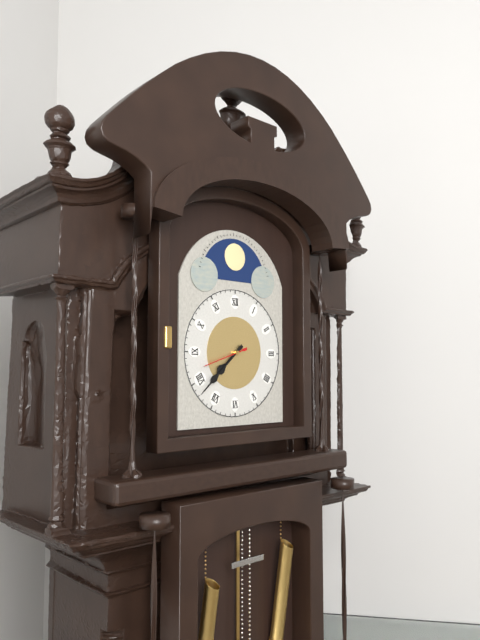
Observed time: 7.38
